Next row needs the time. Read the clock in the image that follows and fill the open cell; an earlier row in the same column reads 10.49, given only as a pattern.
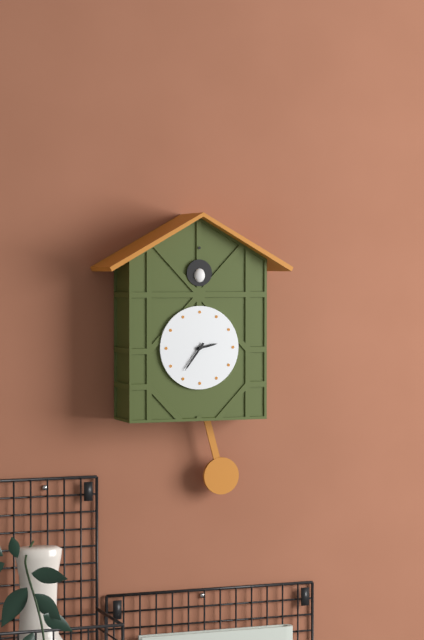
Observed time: 2.36
